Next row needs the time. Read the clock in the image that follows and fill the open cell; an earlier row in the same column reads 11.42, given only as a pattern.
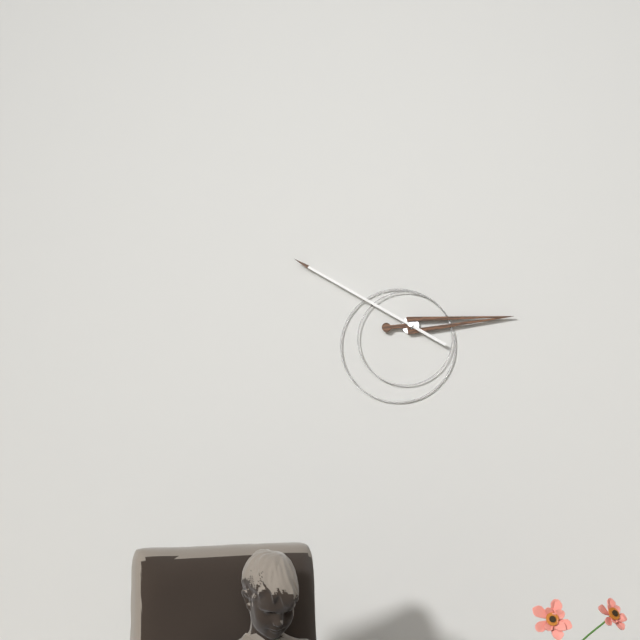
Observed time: 2.50
